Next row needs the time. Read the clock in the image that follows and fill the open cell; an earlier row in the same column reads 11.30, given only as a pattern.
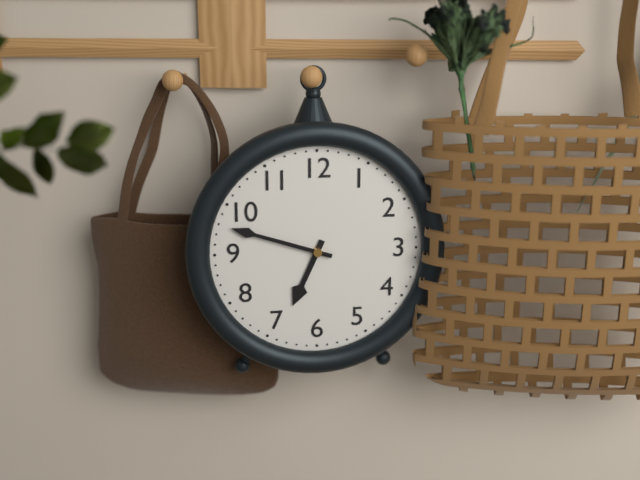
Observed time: 6.48
